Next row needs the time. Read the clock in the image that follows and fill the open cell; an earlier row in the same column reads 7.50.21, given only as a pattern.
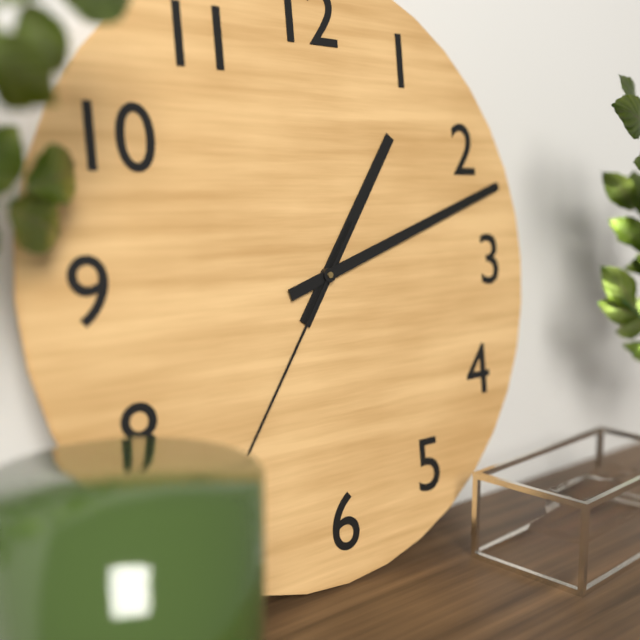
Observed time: 1.12.36
